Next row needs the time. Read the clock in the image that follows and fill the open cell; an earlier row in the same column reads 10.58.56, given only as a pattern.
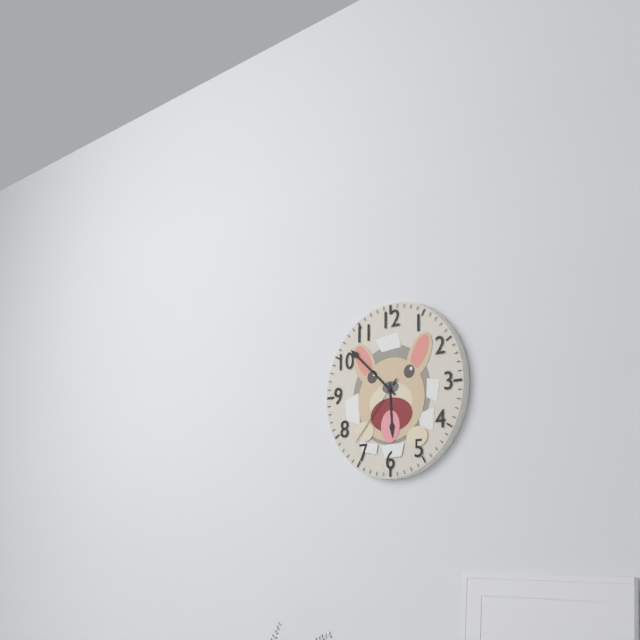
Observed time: 5.52.37
